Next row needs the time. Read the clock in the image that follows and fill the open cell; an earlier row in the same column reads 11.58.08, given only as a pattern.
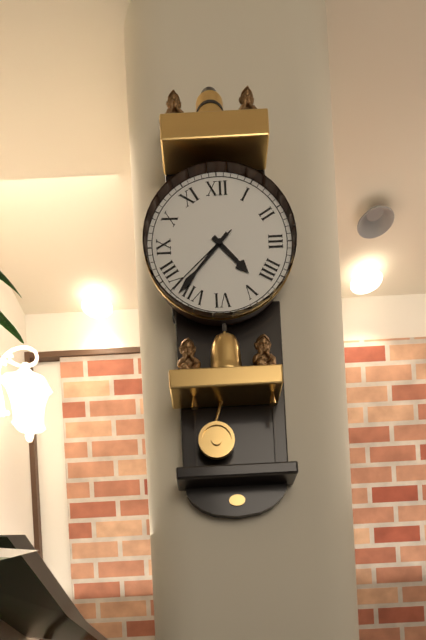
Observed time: 4.37.38
